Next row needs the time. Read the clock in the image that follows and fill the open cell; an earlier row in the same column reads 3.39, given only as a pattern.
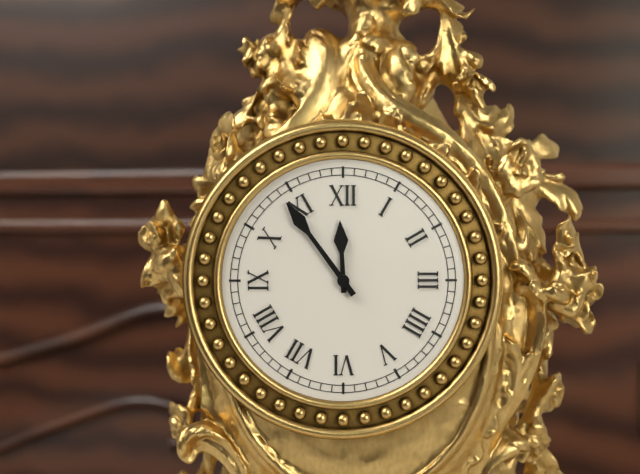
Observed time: 11.54
